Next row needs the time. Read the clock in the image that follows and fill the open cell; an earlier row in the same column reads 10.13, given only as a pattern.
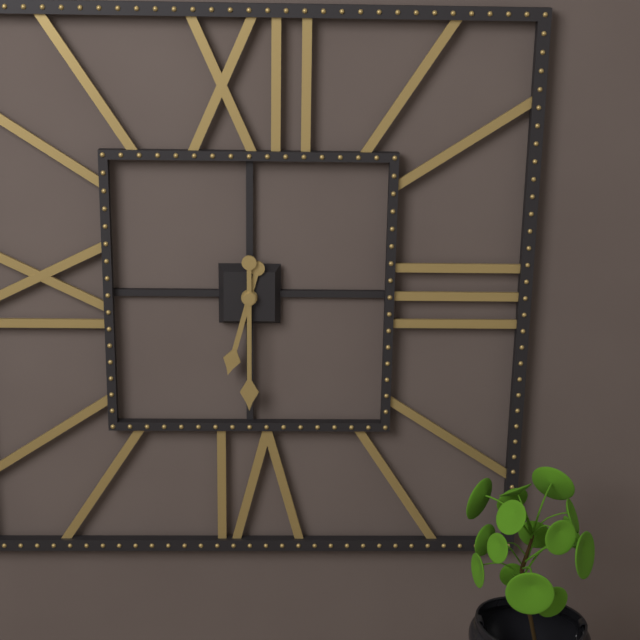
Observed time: 6.30
